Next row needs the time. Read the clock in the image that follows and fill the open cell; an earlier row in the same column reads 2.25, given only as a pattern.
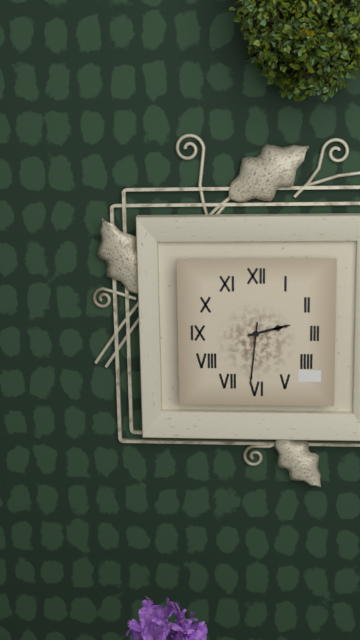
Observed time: 2.31
